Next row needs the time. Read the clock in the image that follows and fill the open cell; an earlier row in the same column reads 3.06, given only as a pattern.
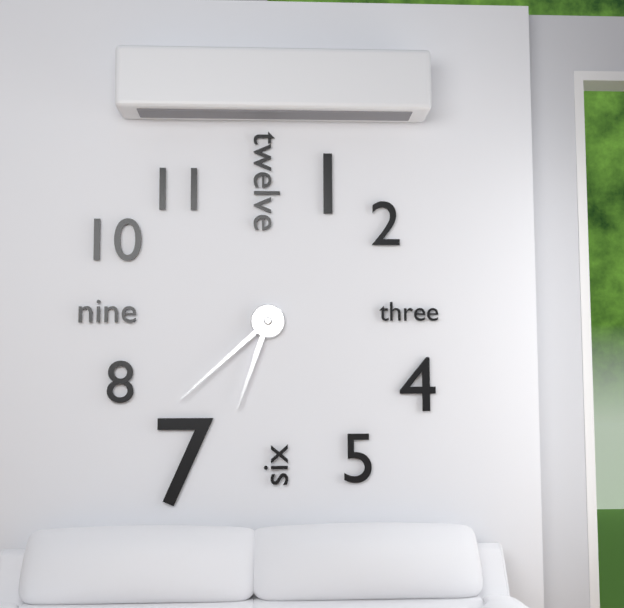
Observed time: 6.38
